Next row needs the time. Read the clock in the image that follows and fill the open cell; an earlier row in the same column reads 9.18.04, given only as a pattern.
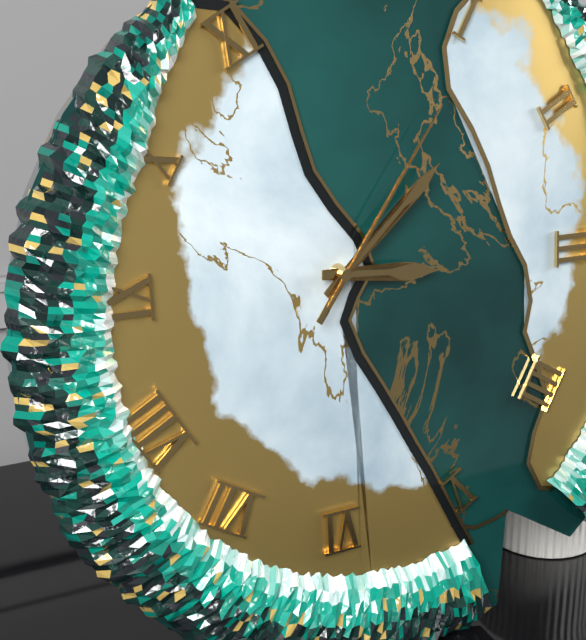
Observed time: 3.08.06
